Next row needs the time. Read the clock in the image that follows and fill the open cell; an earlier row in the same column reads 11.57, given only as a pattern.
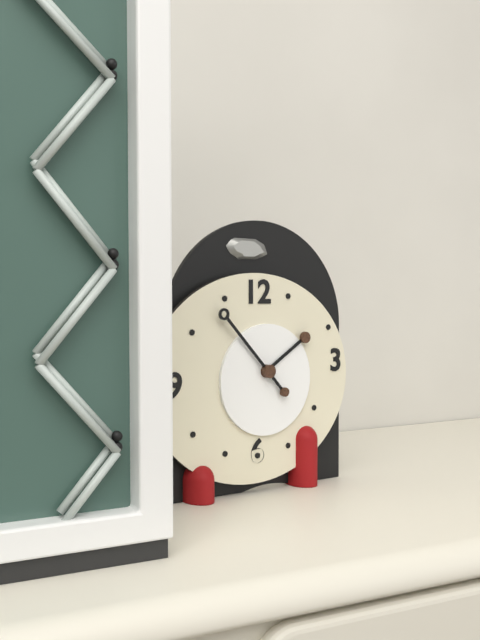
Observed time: 1.53
